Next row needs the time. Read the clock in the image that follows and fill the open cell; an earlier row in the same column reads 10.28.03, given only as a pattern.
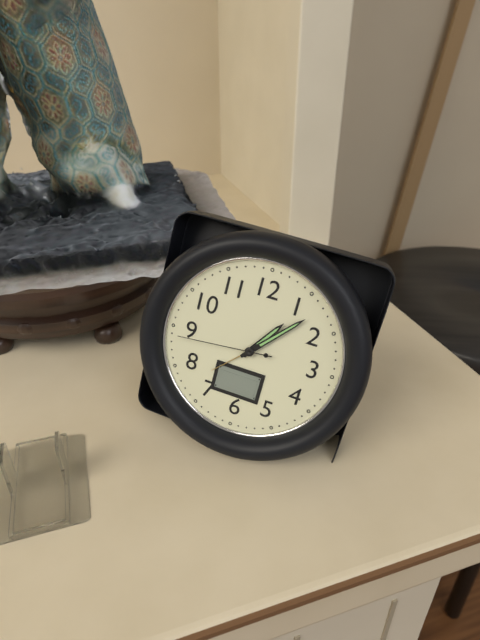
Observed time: 1.07.44
